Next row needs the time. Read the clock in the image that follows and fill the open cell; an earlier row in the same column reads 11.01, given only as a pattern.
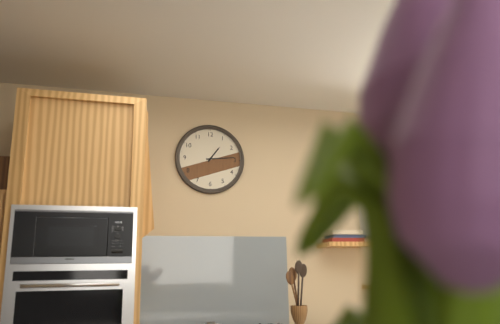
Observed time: 1.14
